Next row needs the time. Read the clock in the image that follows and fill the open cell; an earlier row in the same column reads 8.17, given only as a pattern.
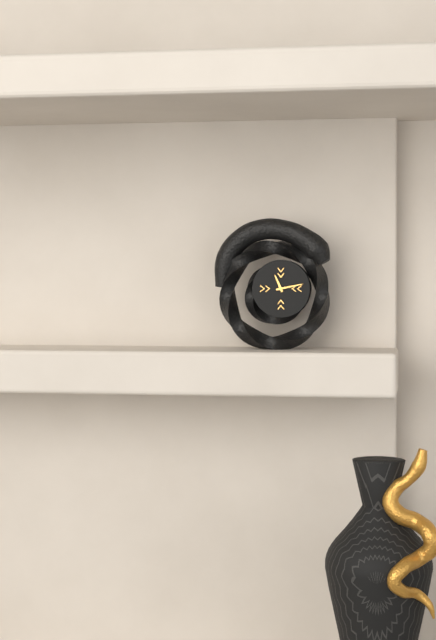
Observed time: 11.13
